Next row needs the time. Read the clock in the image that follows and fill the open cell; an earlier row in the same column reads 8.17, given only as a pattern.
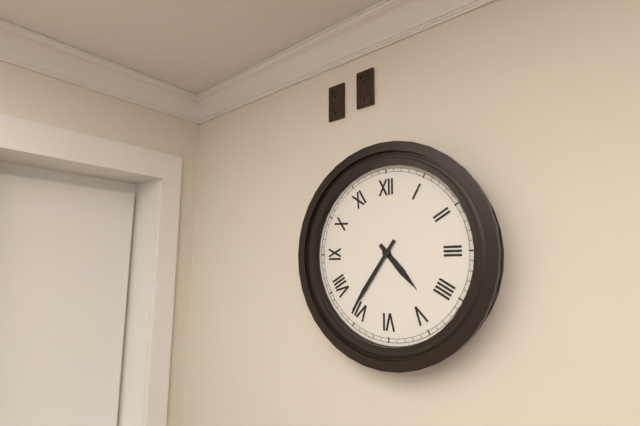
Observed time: 4.36
